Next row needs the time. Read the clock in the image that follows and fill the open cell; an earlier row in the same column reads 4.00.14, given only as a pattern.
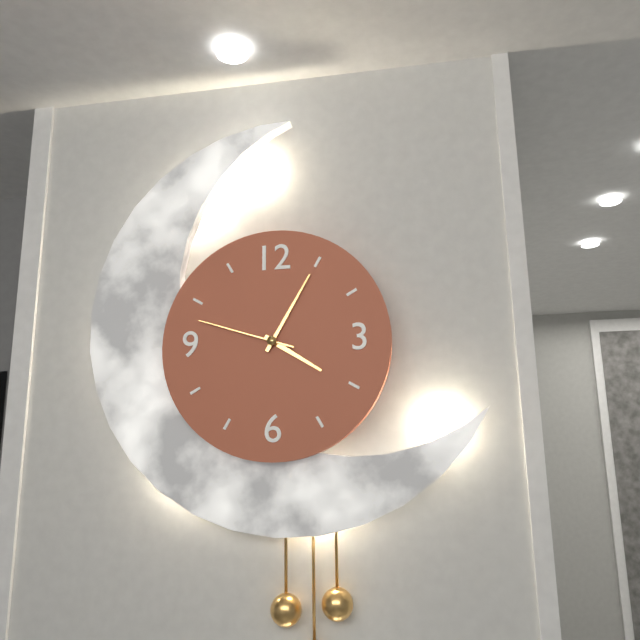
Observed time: 4.05.48
